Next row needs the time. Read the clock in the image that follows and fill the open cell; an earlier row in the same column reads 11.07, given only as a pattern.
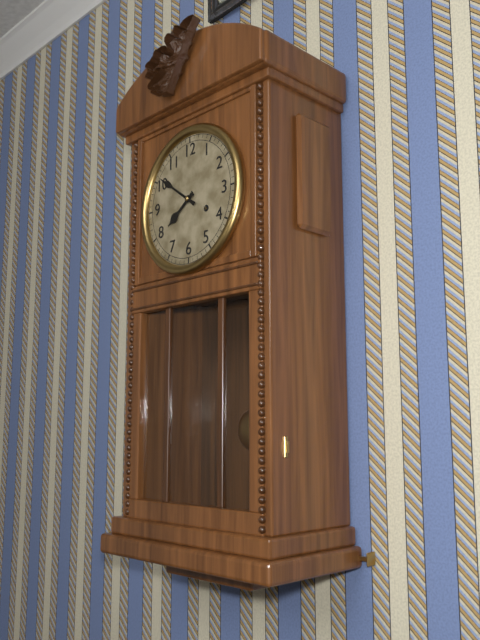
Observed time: 7.51
